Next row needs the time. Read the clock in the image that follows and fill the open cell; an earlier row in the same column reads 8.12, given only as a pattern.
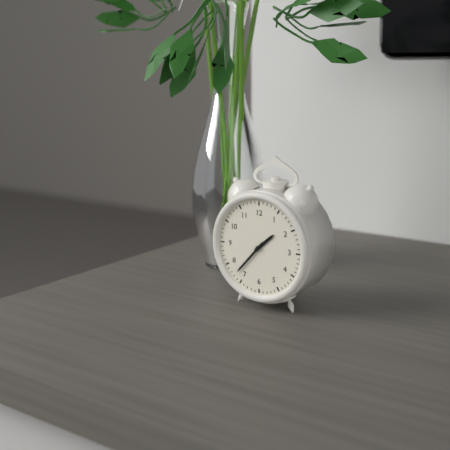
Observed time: 1.37
